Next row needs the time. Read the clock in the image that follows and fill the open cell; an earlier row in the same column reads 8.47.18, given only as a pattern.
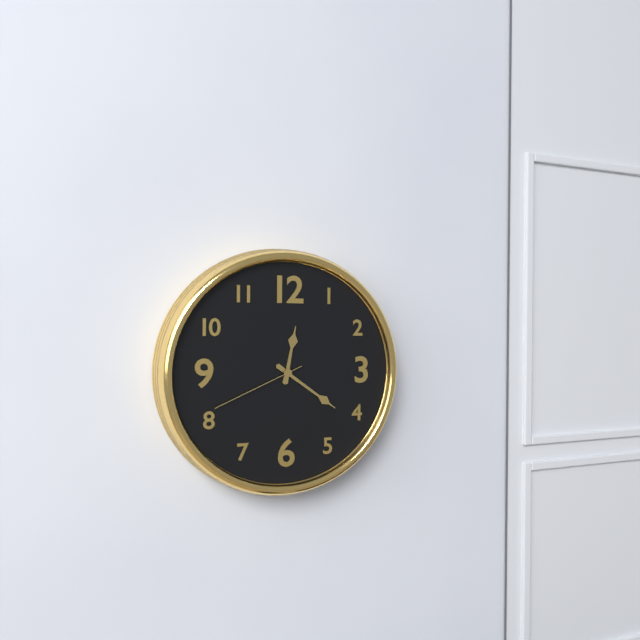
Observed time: 12.21.41
